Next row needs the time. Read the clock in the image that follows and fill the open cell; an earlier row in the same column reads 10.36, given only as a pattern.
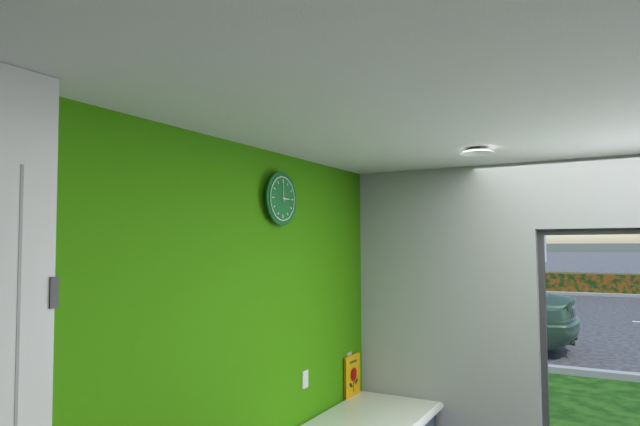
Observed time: 3.00
